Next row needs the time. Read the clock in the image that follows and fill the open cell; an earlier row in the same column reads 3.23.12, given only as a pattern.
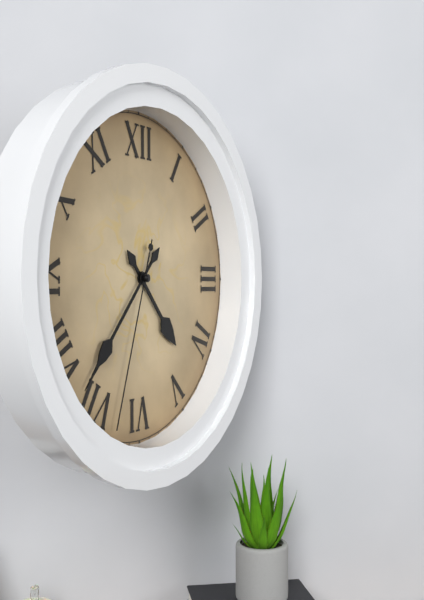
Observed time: 4.37.33
